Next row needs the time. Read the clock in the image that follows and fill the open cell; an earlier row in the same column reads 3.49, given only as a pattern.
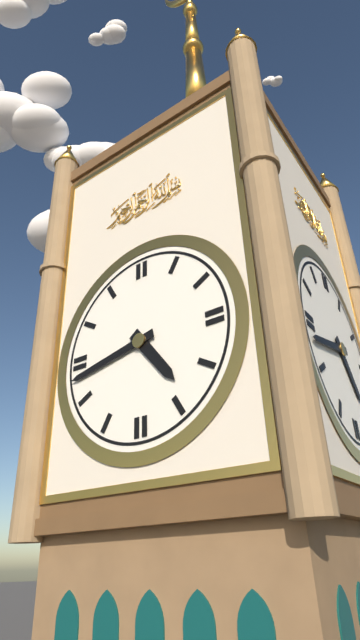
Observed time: 4.43
